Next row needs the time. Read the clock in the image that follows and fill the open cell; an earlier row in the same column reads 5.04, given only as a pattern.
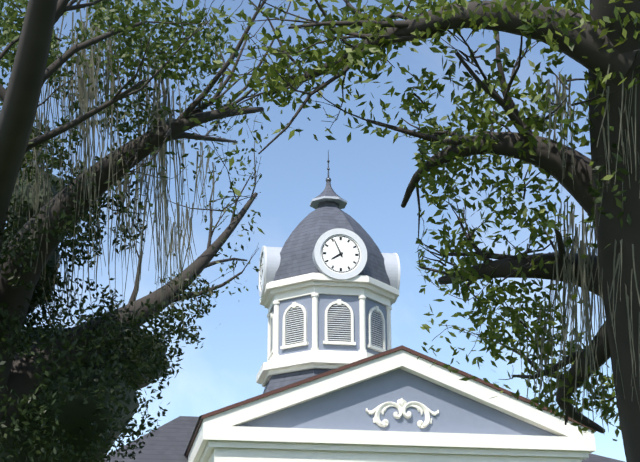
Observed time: 7.56
